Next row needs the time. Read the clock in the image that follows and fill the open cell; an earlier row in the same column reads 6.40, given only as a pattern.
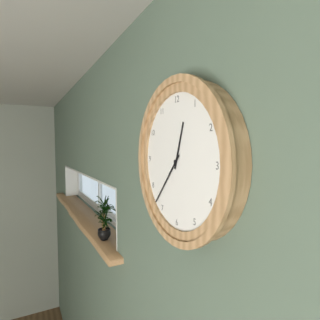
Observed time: 12.37
